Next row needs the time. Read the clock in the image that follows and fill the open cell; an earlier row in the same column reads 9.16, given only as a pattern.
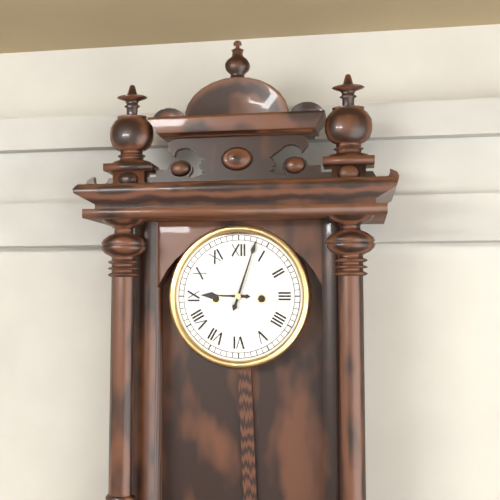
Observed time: 9.03
